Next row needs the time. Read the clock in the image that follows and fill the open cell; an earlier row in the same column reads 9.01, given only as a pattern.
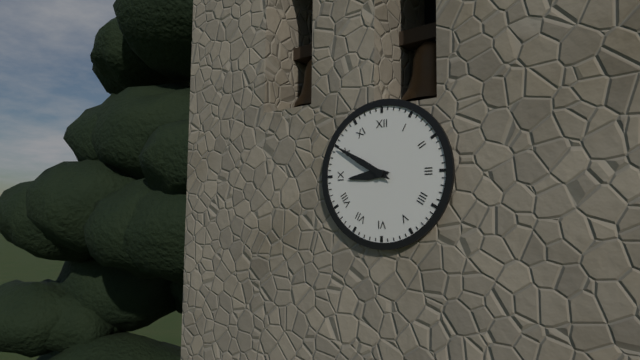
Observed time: 8.50
